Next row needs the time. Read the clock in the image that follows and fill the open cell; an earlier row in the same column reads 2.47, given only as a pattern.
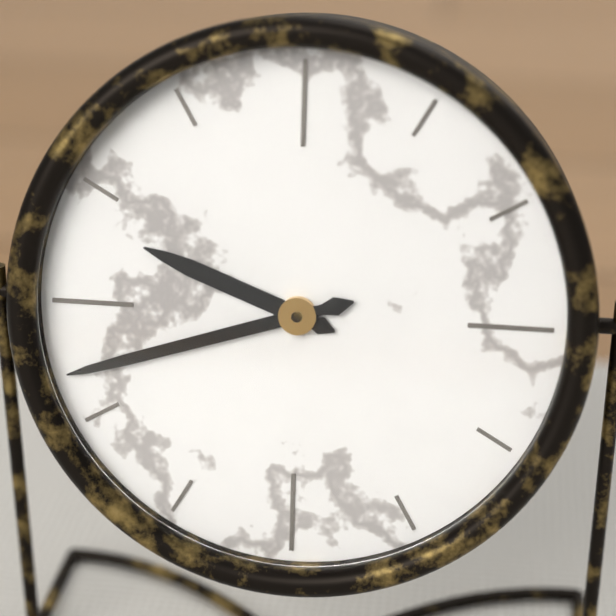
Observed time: 9.42
